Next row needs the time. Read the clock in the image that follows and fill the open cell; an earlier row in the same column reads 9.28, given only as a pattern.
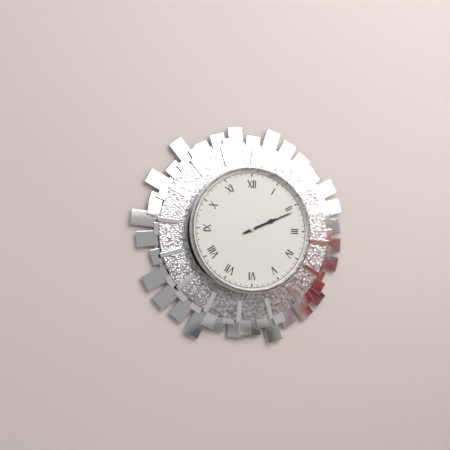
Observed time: 2.11
